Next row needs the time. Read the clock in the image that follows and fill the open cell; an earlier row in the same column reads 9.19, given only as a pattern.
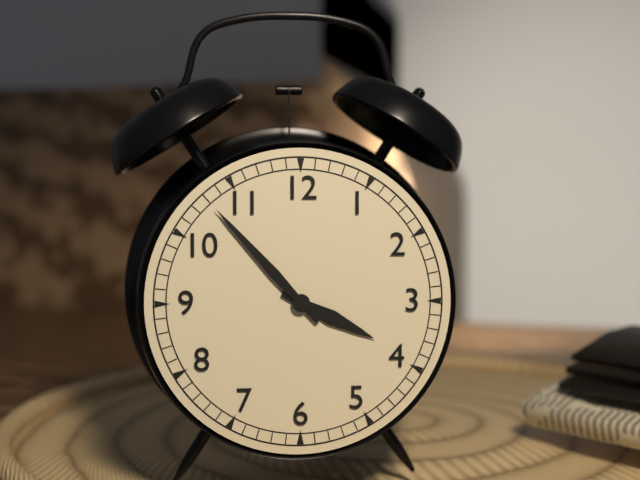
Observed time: 3.53
